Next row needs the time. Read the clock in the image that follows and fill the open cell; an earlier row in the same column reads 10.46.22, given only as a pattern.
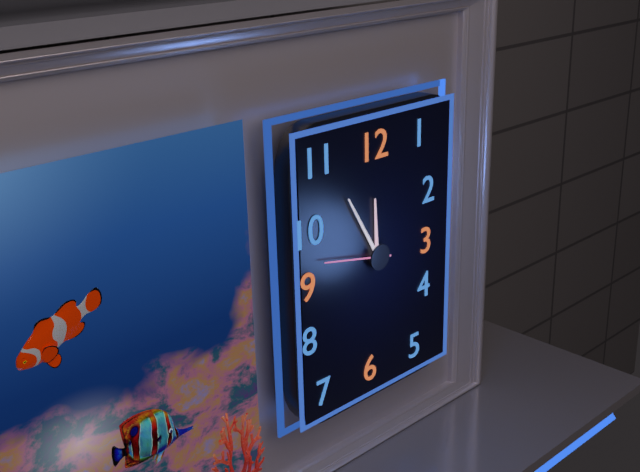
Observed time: 11.55.47
